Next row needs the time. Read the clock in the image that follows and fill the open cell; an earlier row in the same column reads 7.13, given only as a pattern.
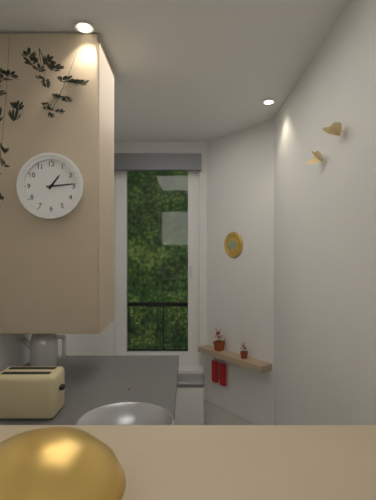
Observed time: 1.14
